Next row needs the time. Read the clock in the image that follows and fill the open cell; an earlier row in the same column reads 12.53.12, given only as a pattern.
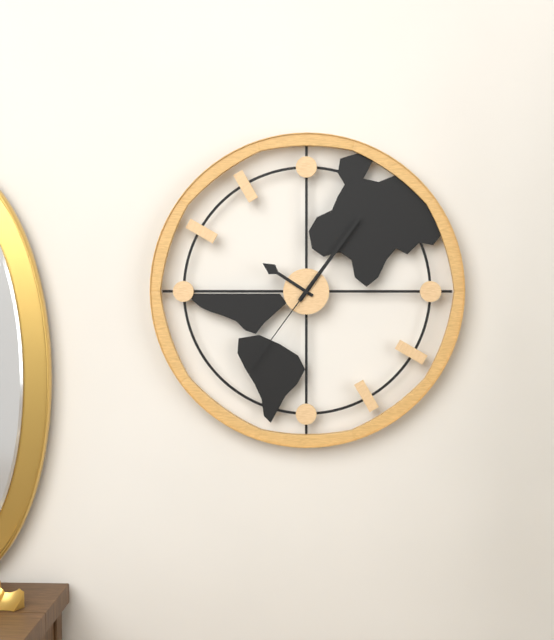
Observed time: 10.06.36
